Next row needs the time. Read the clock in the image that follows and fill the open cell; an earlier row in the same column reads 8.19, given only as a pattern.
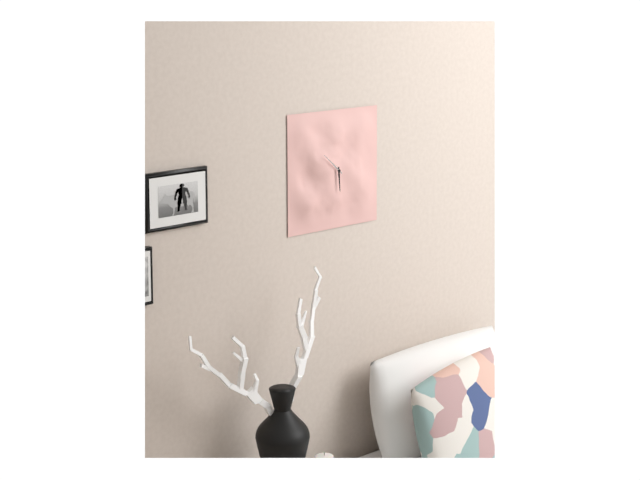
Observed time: 5.52
